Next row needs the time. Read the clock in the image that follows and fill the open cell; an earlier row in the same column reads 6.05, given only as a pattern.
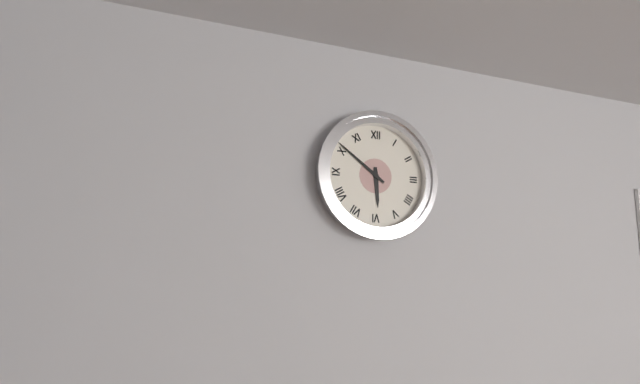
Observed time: 5.51
